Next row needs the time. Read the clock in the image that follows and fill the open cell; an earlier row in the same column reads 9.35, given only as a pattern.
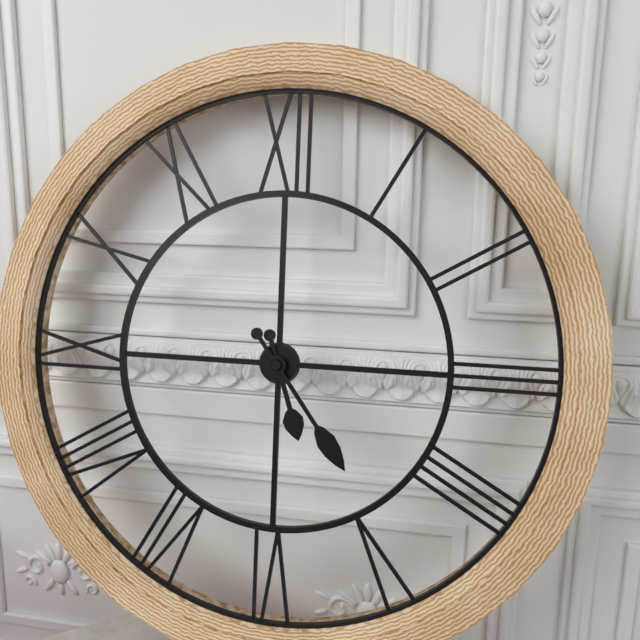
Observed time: 5.24
